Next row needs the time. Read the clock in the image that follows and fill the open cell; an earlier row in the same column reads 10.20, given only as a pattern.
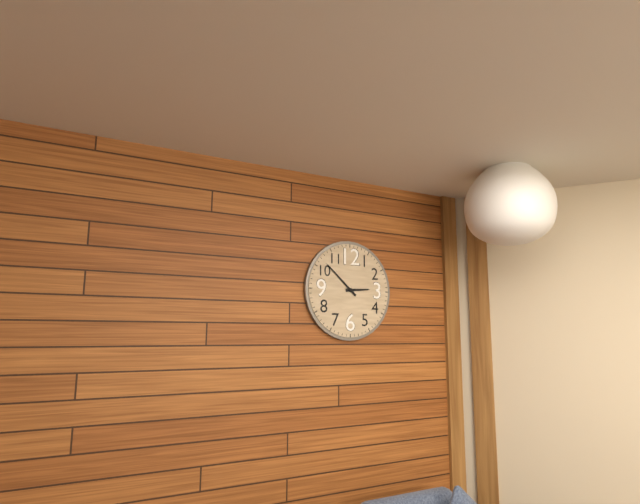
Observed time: 2.52
